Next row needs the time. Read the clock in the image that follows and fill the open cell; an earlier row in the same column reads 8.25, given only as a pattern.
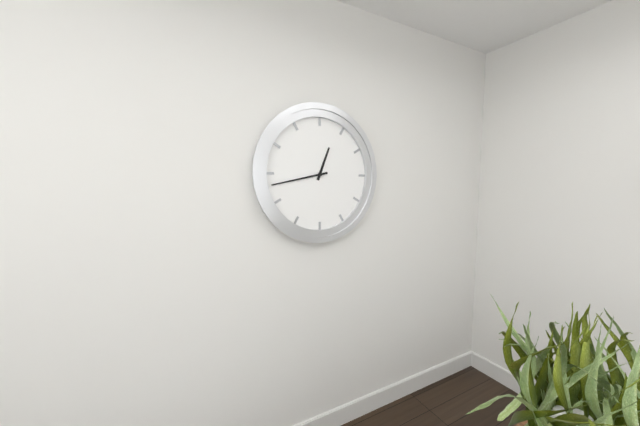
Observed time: 12.43
